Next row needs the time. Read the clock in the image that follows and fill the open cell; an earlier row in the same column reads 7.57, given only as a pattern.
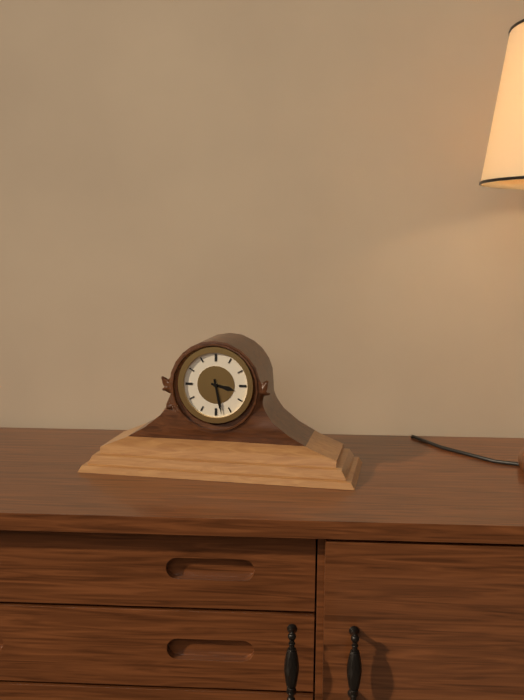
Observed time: 3.28
